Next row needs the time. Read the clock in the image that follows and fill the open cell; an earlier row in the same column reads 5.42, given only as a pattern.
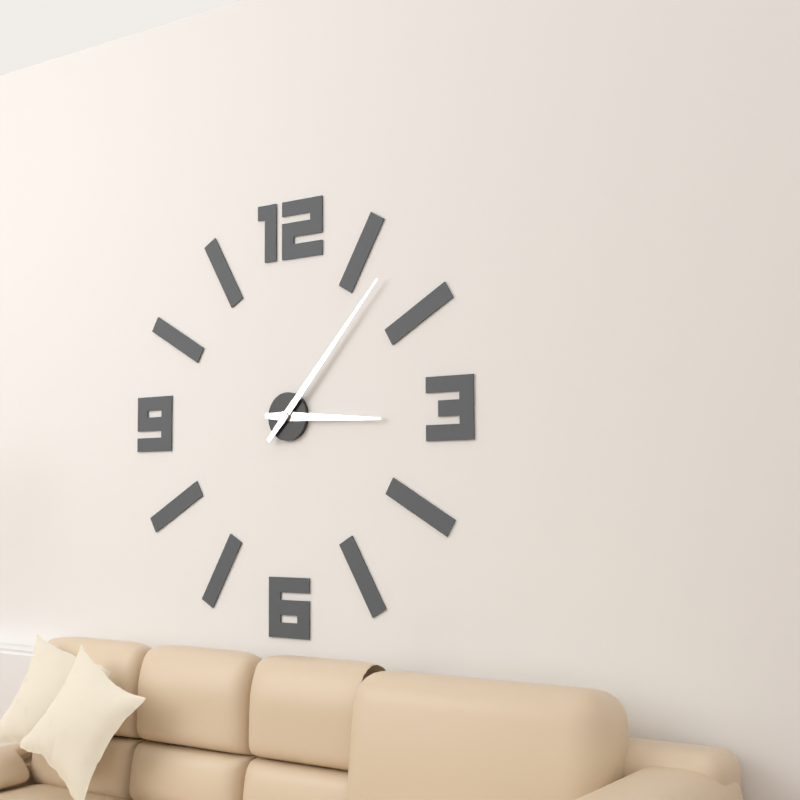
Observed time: 3.07
